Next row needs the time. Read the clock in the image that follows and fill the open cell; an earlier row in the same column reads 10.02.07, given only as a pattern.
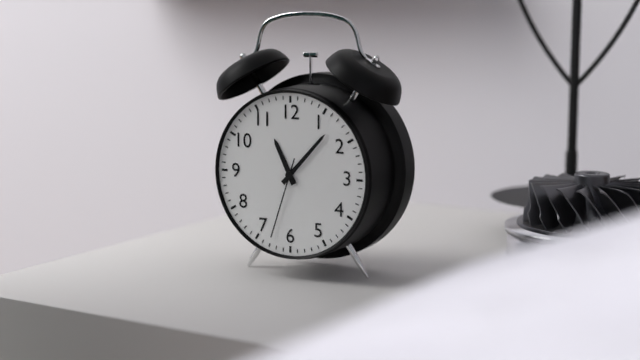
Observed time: 11.07.33
